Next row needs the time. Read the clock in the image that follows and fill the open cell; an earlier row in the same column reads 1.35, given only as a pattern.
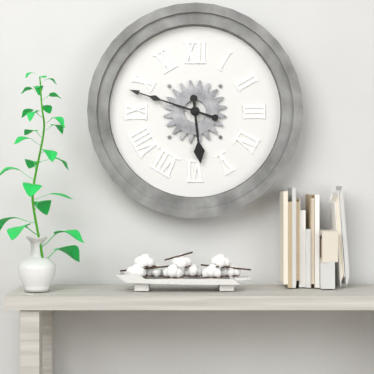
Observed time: 5.48
